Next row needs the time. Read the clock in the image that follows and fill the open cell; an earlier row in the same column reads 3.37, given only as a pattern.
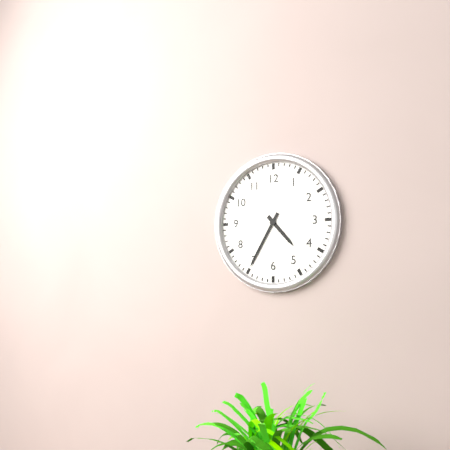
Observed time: 4.35
